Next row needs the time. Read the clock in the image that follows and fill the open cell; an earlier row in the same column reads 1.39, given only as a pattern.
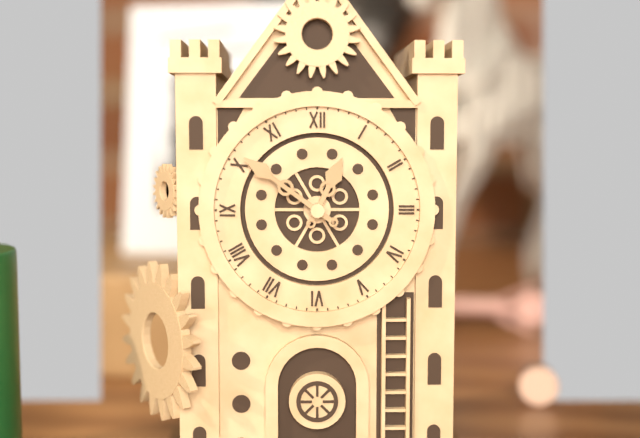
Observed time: 12.51
